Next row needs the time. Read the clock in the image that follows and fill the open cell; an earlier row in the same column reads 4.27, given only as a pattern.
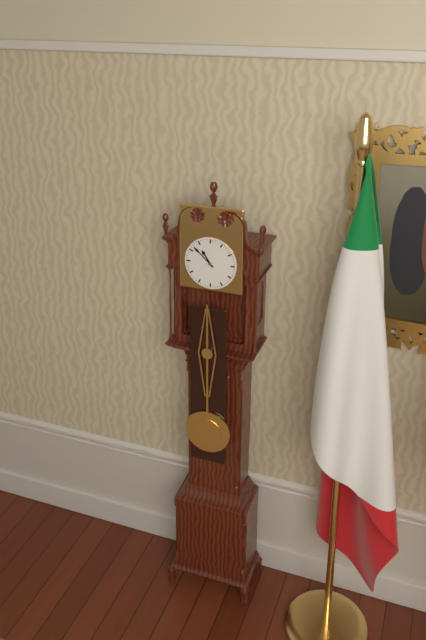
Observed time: 10.52
